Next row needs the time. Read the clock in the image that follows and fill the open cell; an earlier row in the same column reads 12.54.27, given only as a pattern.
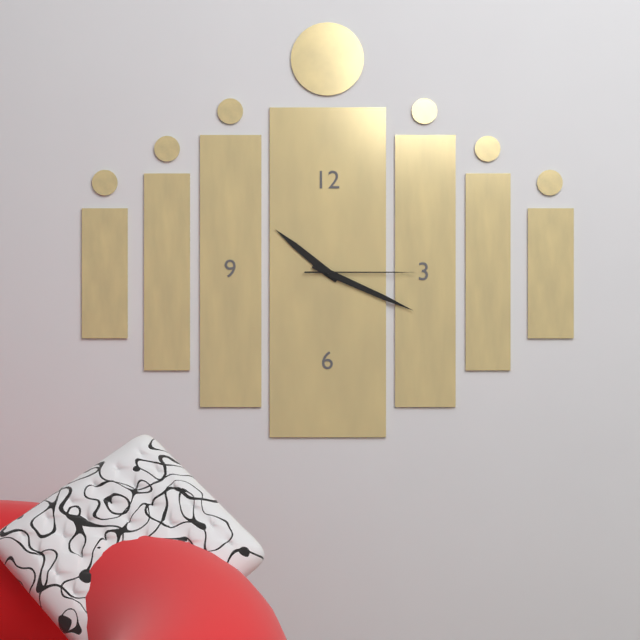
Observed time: 10.19.15
